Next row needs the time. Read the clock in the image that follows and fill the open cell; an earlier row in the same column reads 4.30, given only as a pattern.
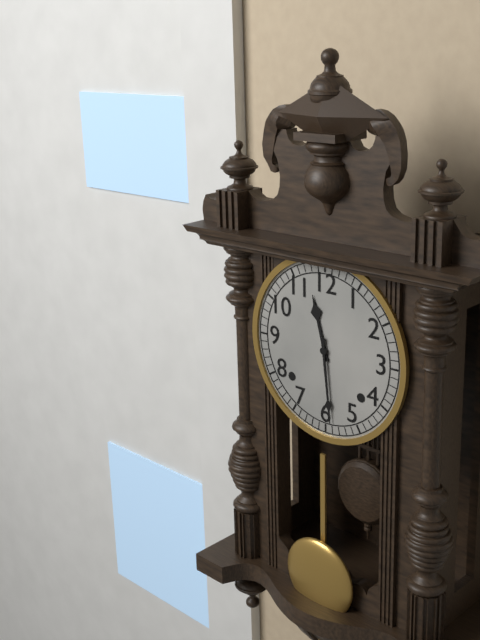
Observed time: 11.29
